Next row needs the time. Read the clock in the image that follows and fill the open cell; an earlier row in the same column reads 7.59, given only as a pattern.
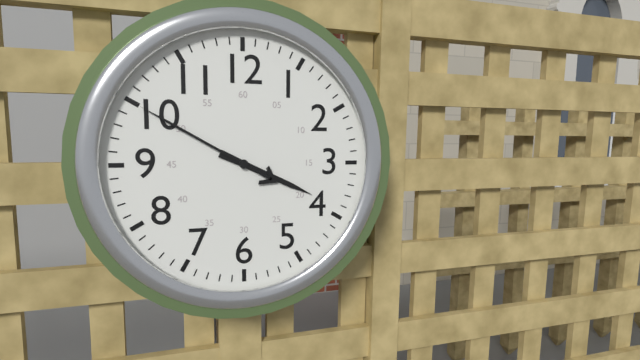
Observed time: 3.50
